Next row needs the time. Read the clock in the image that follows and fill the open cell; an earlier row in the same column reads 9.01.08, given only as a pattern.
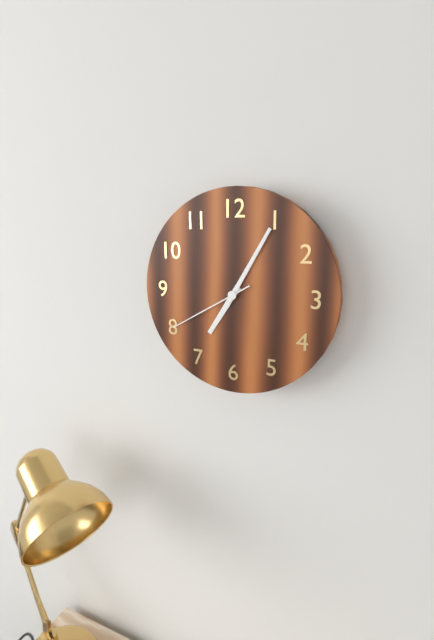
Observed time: 7.05.40
